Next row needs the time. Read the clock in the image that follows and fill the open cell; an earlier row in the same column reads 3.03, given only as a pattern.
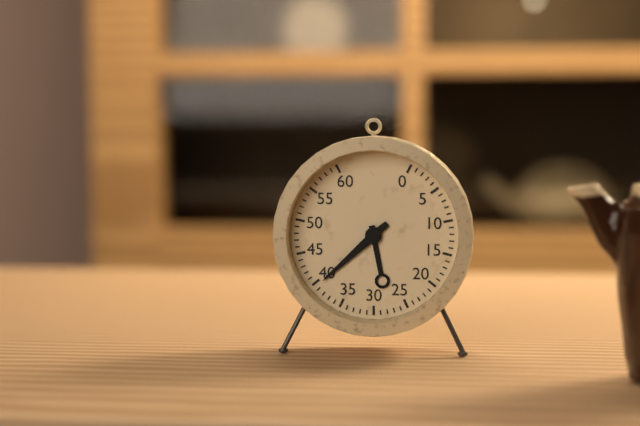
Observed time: 5.38
